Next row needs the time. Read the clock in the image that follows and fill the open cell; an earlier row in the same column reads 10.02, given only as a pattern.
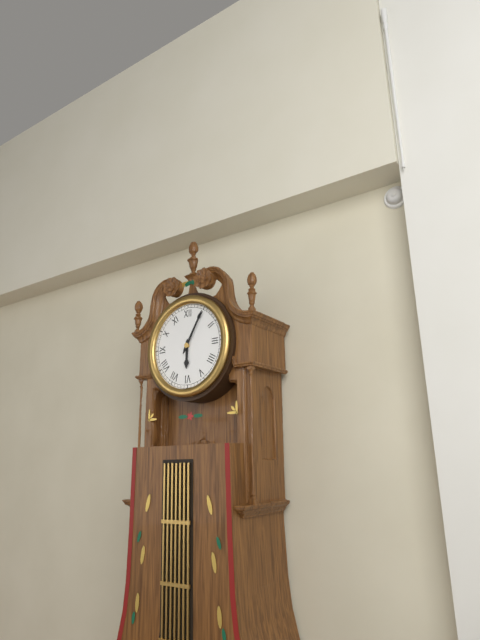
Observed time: 6.05
